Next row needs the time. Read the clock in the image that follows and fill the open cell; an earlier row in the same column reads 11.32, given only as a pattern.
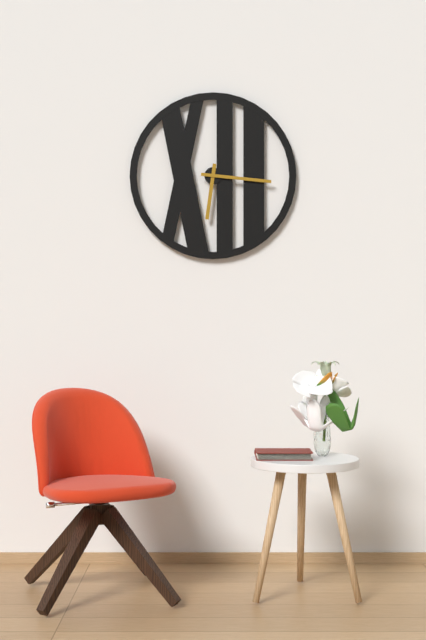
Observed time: 6.16
